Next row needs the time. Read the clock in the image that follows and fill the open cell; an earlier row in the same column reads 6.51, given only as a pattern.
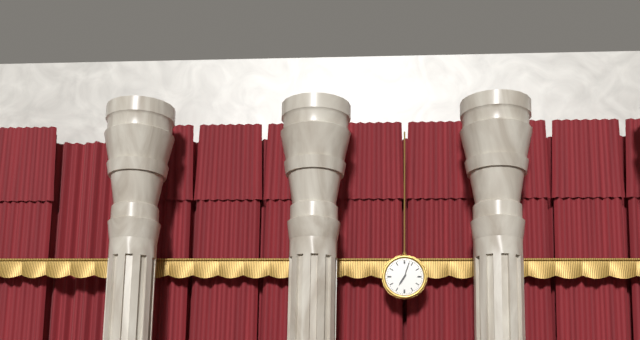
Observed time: 7.03
